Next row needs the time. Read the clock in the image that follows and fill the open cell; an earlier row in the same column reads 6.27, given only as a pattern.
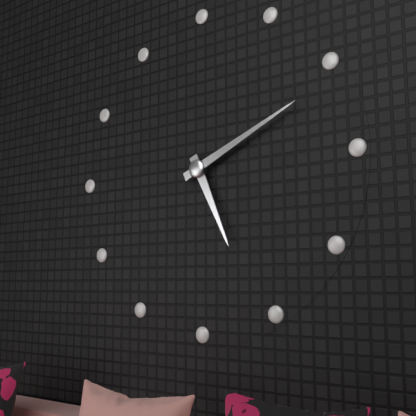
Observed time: 5.11
